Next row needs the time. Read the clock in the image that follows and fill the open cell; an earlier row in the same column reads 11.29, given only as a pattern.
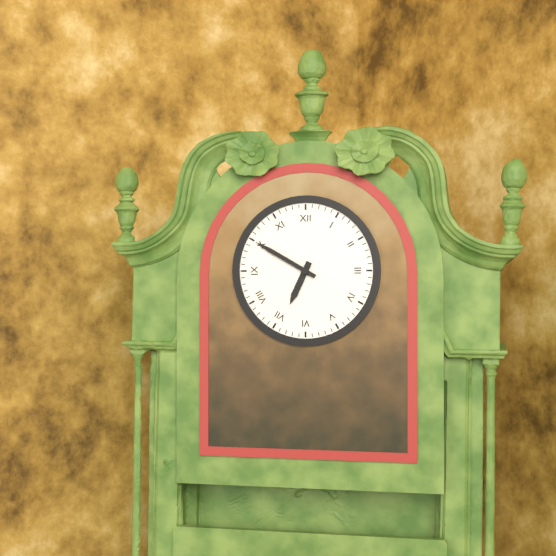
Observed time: 6.50
